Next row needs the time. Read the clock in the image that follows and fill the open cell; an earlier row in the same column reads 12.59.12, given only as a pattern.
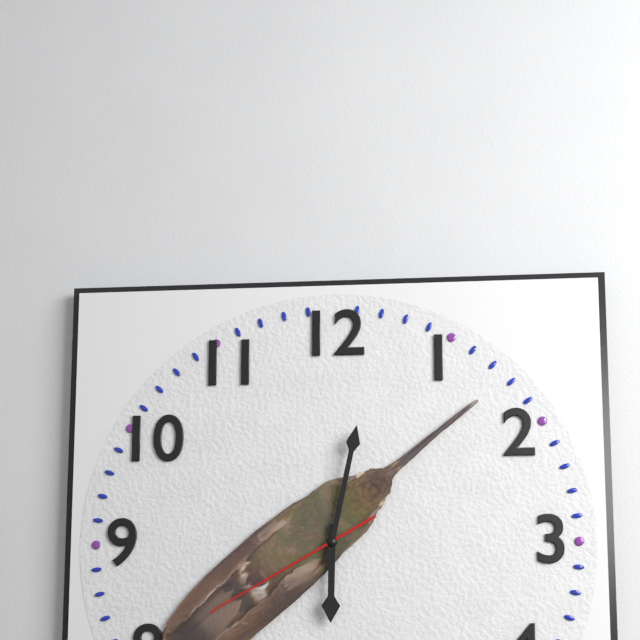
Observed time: 6.02.40
